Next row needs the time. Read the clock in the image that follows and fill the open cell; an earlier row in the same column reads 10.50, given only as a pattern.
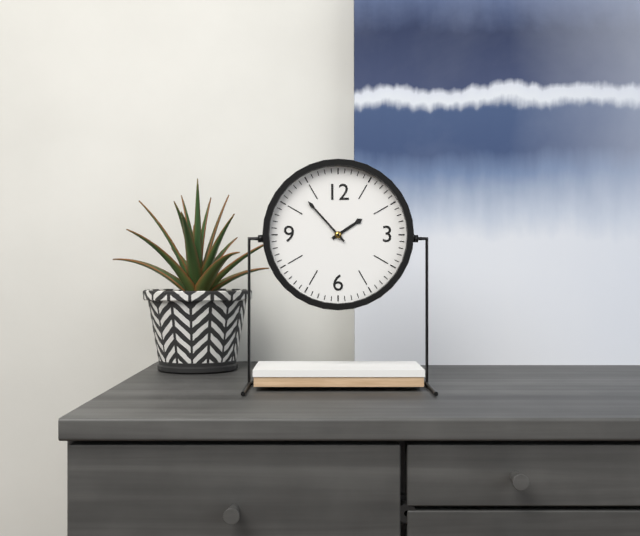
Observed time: 1.53
